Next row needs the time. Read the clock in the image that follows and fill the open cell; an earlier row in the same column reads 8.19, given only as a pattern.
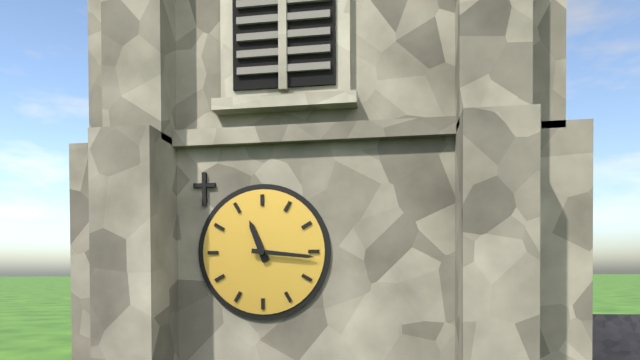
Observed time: 11.16
